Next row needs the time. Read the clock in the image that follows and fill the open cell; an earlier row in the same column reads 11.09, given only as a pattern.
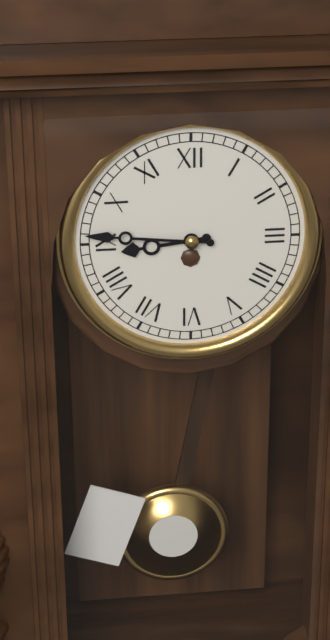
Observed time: 8.46
